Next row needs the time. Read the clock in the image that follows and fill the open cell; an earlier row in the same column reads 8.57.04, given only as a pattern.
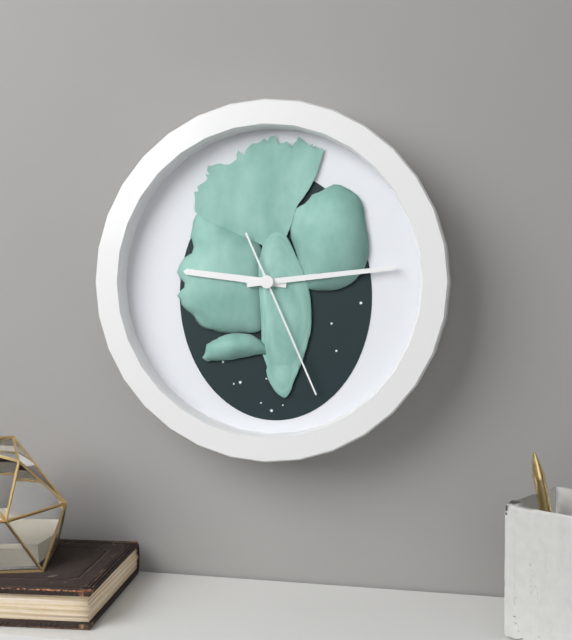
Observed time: 9.14.26
